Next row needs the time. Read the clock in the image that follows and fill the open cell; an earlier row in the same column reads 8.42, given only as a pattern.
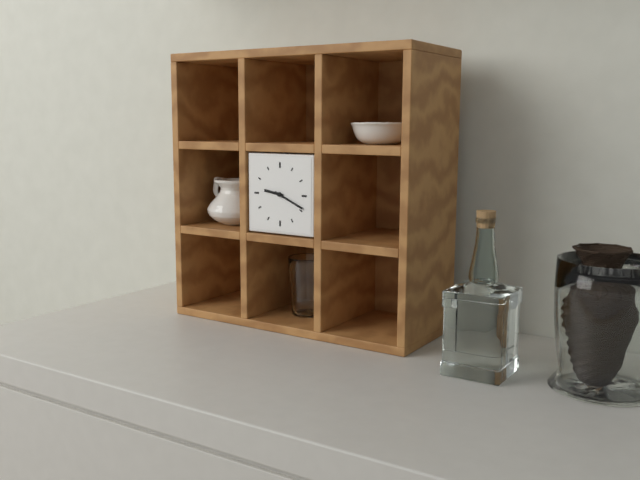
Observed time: 9.19
